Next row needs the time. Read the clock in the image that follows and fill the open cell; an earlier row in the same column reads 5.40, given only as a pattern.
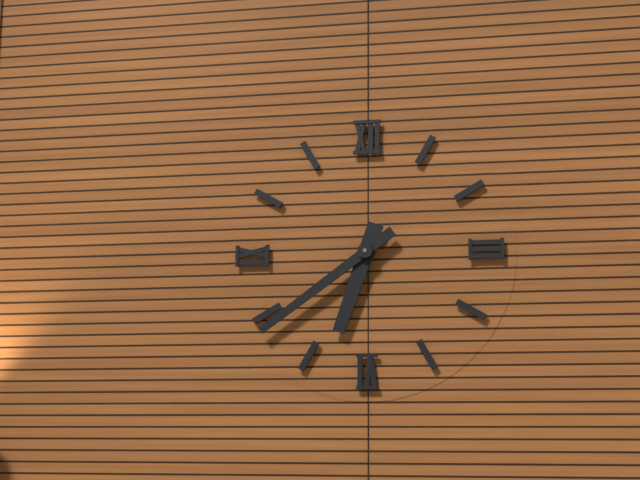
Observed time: 6.39
